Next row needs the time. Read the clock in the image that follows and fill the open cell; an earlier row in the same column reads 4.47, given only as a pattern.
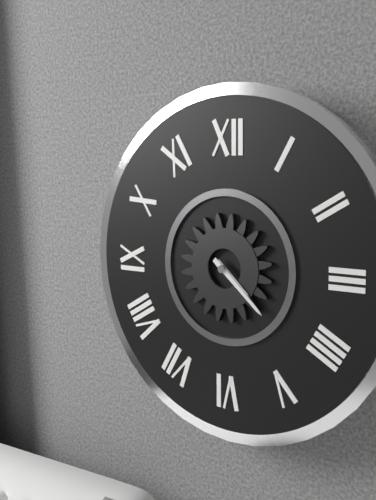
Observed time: 4.22
